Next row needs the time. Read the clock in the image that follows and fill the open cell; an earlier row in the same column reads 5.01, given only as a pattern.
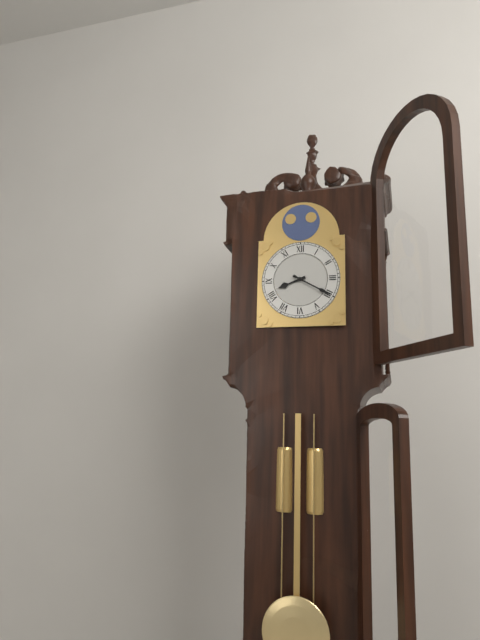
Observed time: 8.20
